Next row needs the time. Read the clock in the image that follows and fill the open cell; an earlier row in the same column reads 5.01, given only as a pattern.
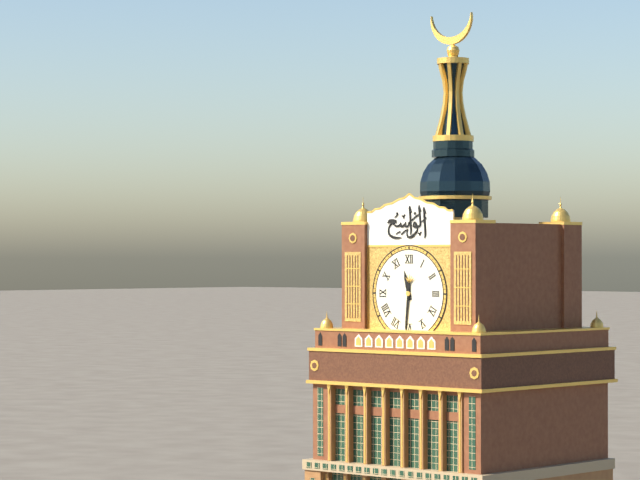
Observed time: 11.31
